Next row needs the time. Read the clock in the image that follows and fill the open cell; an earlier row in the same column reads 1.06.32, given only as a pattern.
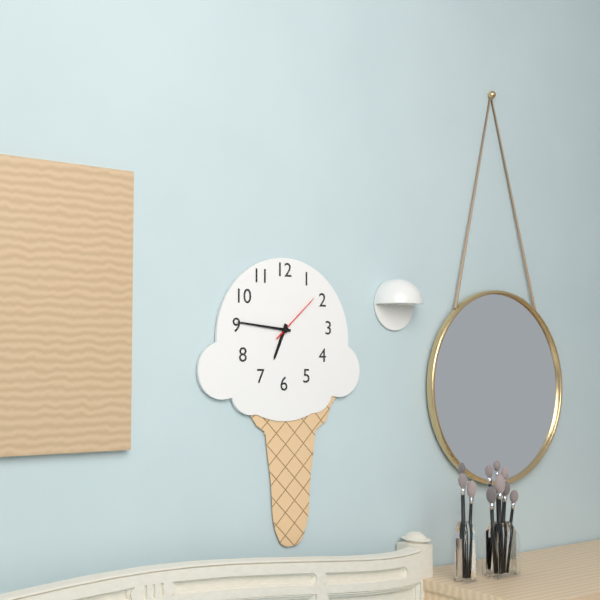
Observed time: 6.46.08
